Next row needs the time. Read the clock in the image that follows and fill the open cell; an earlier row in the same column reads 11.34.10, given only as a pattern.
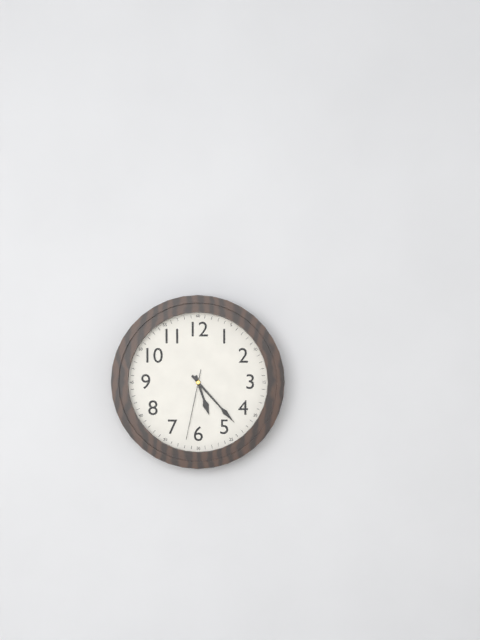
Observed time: 5.23.32
